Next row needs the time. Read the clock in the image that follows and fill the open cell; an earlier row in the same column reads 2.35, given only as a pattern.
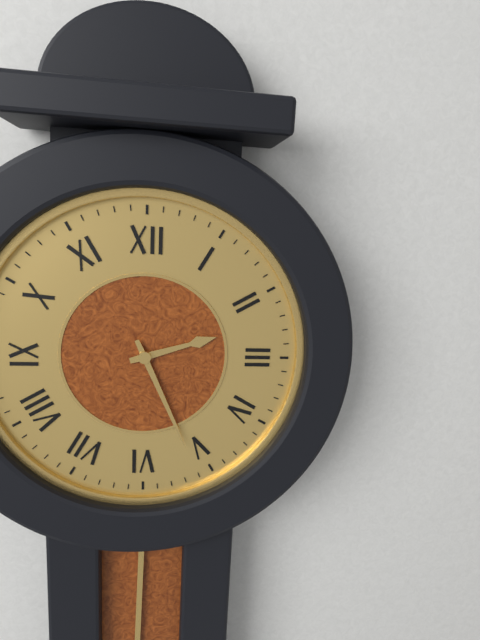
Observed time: 2.26
